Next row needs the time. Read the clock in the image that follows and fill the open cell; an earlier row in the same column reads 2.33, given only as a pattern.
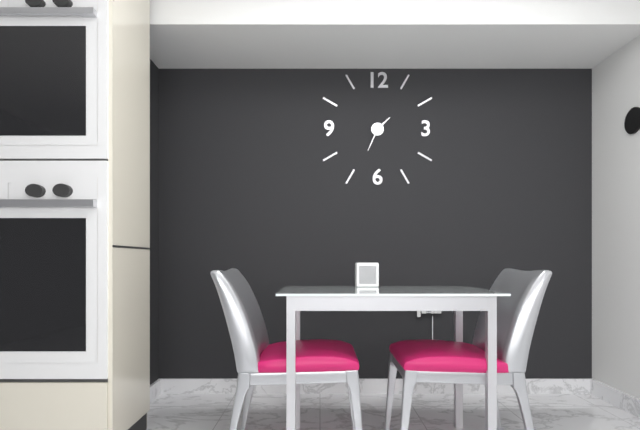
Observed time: 1.34
